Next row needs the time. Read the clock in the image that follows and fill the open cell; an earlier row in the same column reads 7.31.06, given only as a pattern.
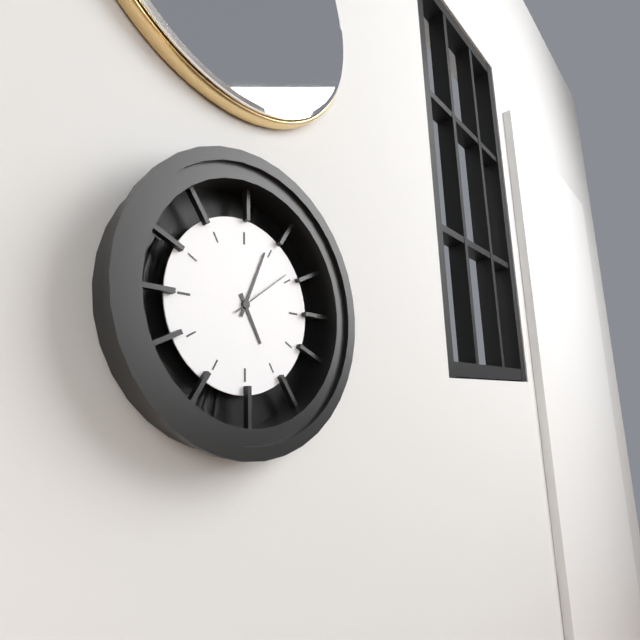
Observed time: 5.04.09
